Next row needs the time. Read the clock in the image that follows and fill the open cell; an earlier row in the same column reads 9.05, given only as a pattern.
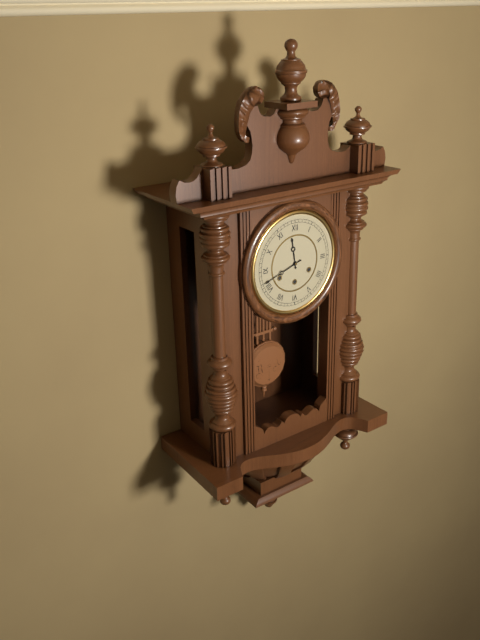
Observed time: 11.42
